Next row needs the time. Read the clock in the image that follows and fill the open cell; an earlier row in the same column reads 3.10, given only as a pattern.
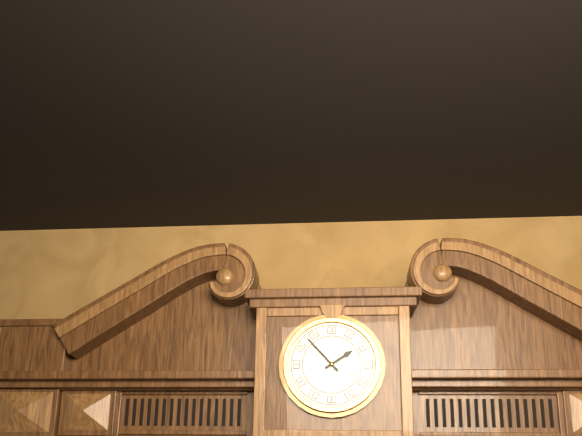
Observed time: 1.53
